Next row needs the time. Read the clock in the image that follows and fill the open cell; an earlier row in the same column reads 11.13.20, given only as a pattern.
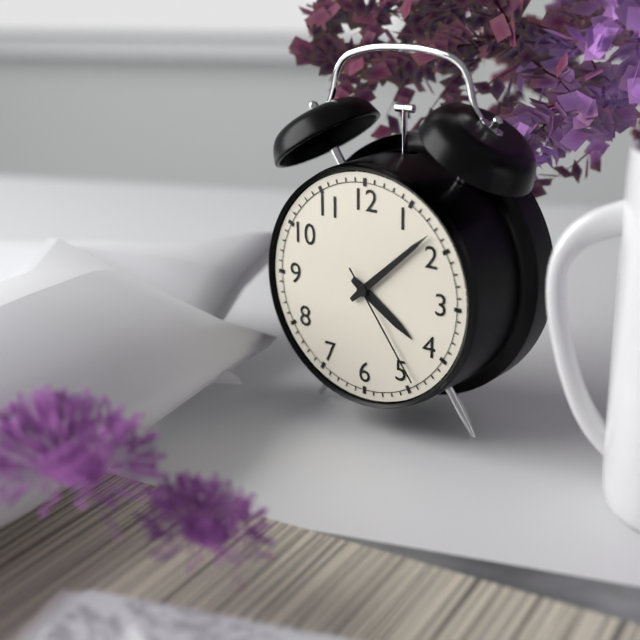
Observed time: 4.08.24
